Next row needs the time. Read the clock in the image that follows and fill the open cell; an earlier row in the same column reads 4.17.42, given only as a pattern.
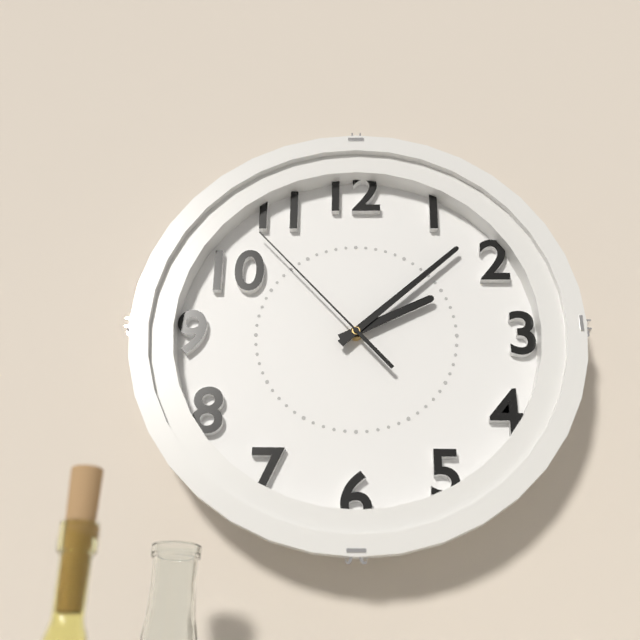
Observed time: 2.08.53
